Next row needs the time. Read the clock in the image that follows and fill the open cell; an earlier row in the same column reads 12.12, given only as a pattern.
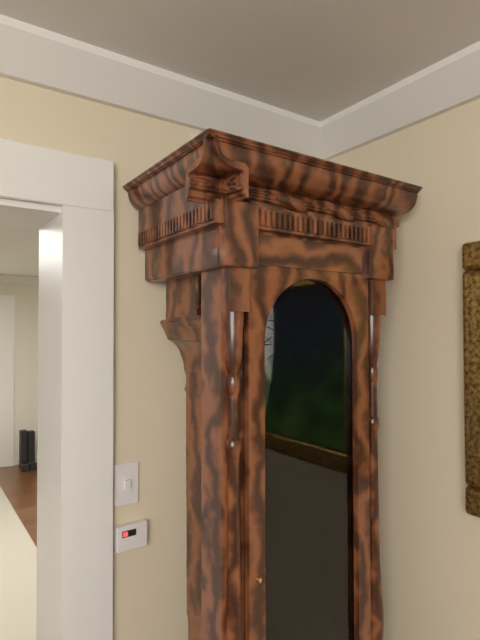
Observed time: 11.48
